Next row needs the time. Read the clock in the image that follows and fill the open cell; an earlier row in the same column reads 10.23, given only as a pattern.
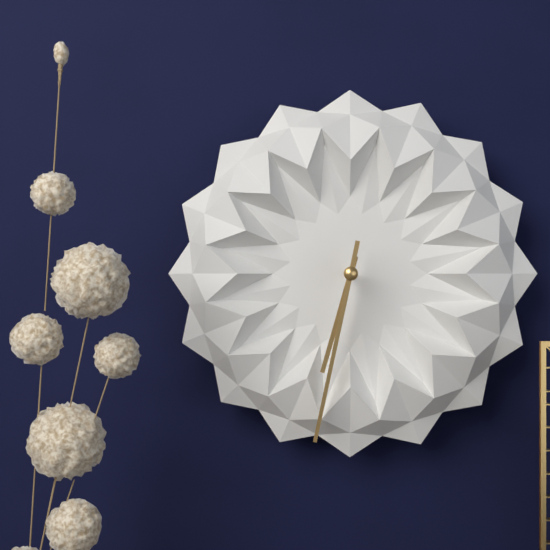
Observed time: 6.32
